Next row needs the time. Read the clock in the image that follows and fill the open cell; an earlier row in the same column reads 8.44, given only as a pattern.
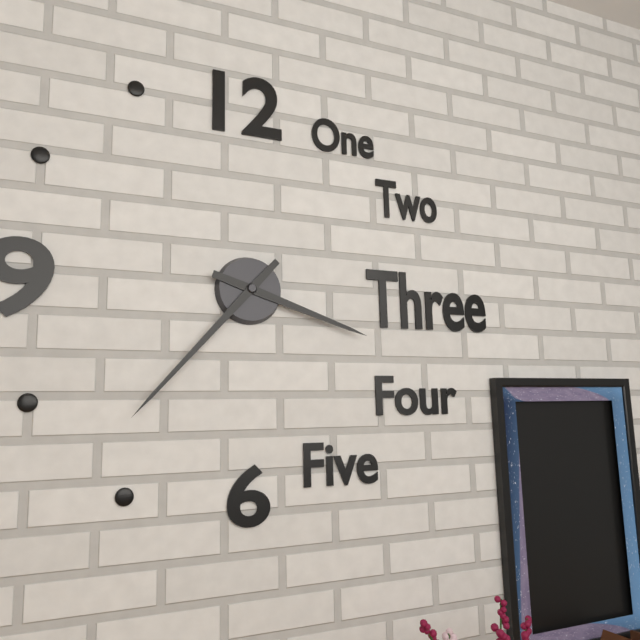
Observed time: 3.37
